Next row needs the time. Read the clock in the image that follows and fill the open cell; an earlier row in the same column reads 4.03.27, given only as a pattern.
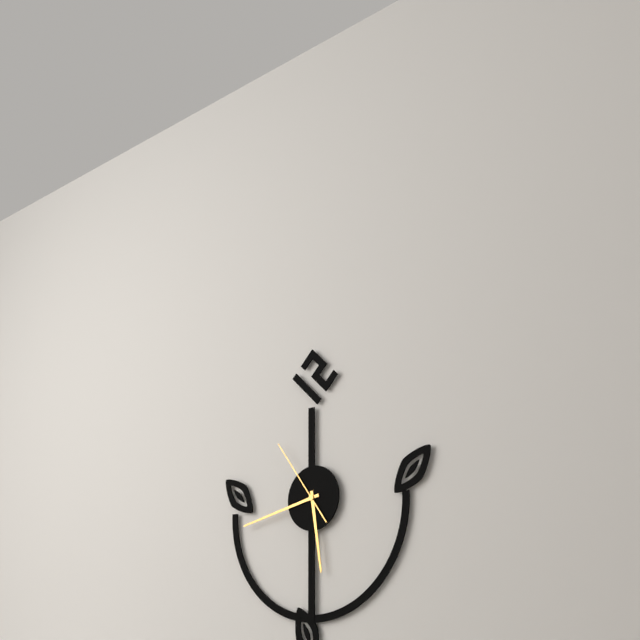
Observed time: 5.43.54
